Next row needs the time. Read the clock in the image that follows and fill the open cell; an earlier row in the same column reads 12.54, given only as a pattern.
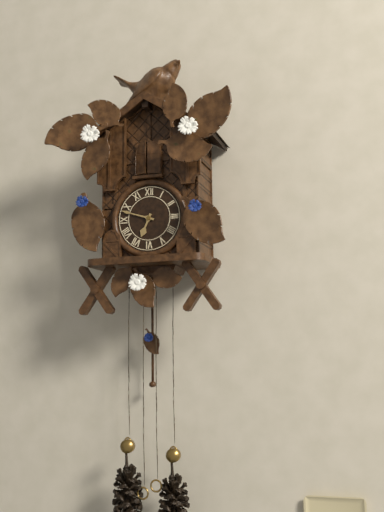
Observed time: 6.48
